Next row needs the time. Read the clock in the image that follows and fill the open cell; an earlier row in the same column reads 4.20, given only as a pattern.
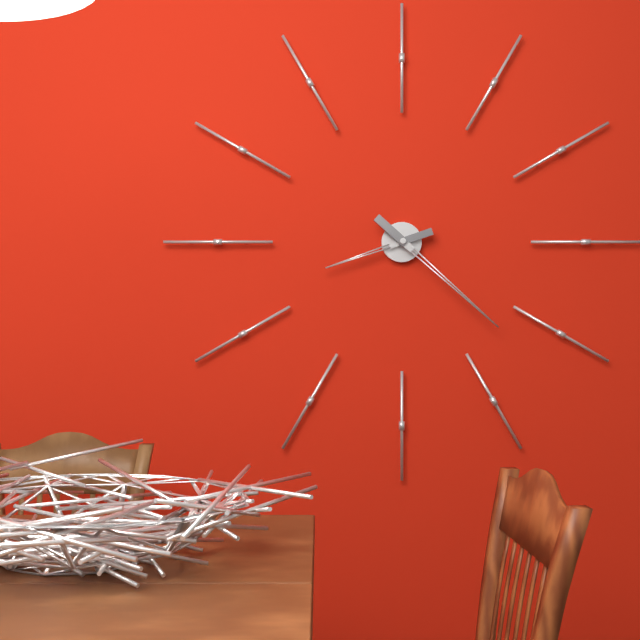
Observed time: 8.22
